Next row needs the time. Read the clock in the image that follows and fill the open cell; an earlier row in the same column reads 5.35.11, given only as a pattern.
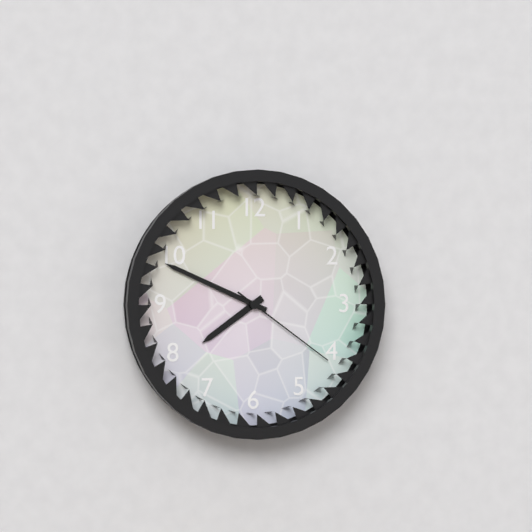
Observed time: 7.49.21
